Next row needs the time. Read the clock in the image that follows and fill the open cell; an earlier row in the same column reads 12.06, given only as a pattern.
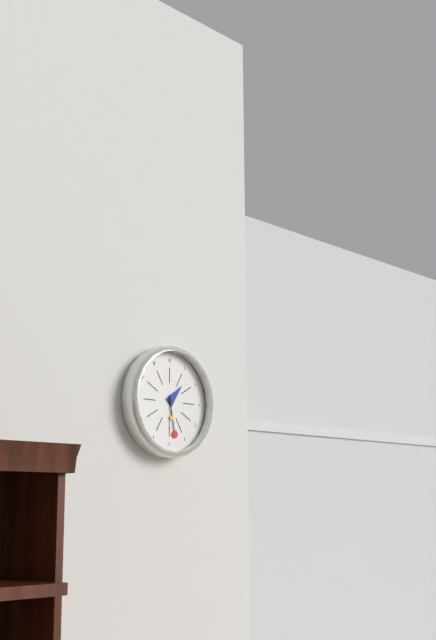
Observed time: 1.28
